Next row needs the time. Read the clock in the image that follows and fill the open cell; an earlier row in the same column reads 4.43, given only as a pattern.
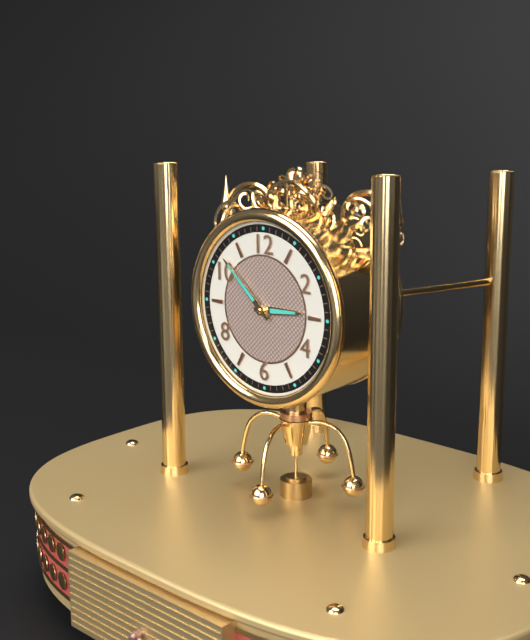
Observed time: 2.52
